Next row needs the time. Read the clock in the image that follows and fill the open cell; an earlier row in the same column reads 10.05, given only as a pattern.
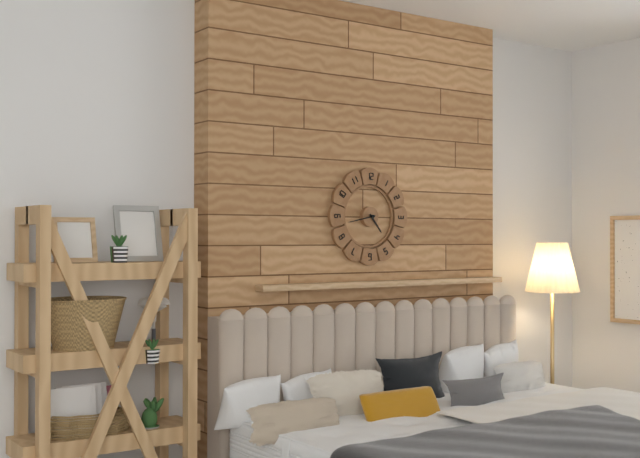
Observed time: 4.43
